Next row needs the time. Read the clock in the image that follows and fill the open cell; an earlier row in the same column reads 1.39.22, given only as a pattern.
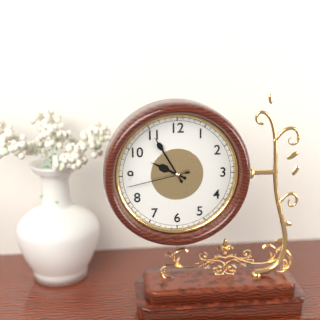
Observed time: 9.55.43
